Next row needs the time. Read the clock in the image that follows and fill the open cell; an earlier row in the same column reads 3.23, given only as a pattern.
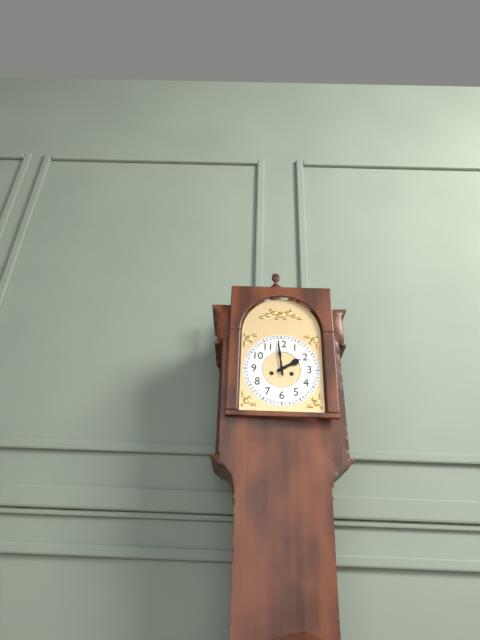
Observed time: 1.59
